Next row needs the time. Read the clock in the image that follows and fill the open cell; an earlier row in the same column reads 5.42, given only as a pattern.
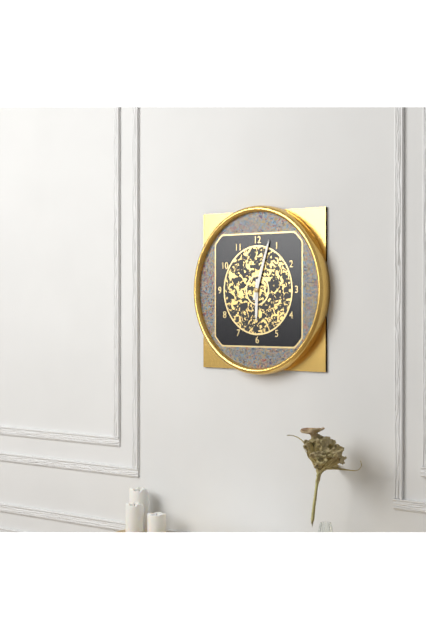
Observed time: 6.03
